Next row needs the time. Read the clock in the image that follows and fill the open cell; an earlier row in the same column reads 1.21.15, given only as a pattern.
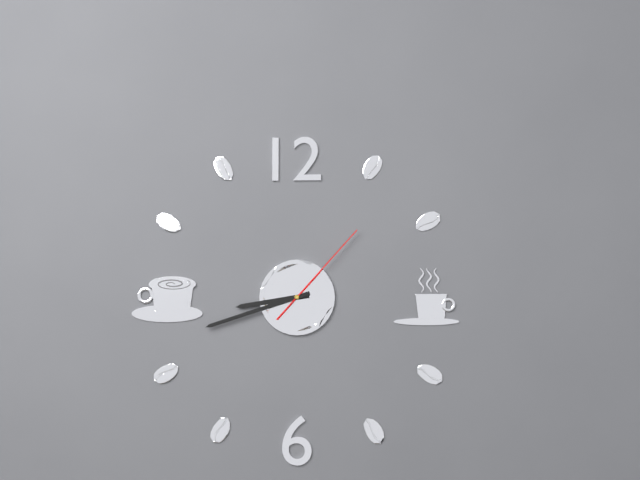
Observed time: 8.42.07
